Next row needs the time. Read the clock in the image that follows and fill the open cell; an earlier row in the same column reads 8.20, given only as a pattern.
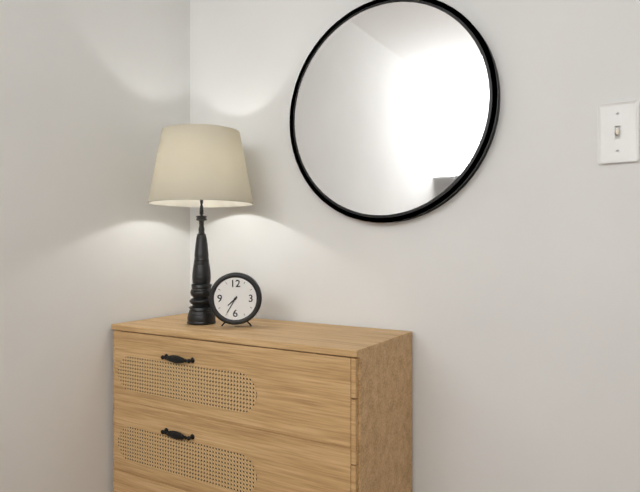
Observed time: 7.35
